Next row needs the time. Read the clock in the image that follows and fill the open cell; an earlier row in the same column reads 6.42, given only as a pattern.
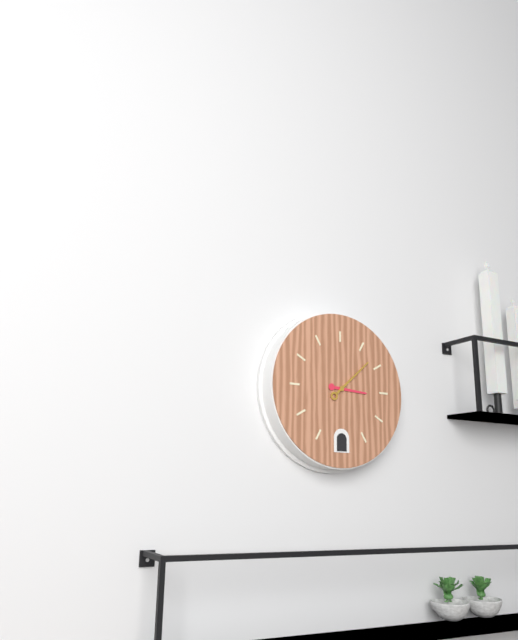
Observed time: 3.08
